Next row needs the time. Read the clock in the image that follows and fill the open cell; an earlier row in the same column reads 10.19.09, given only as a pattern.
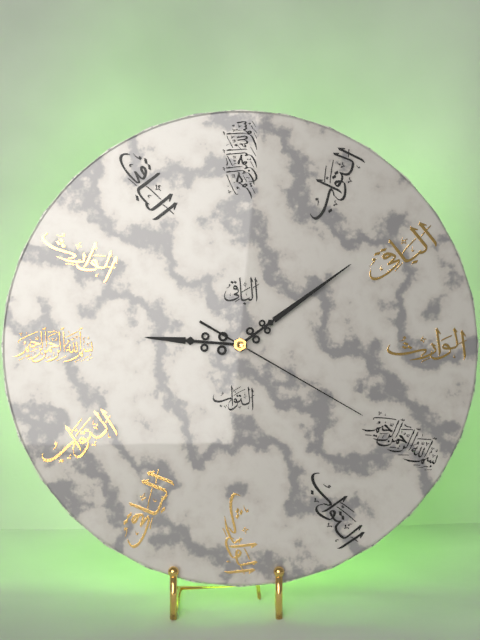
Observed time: 9.09.20
